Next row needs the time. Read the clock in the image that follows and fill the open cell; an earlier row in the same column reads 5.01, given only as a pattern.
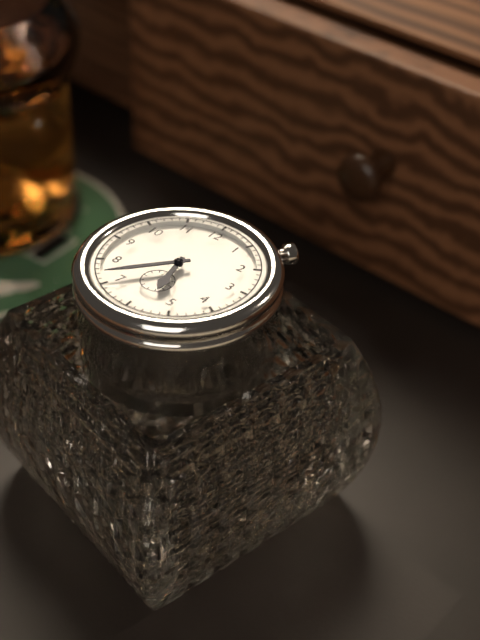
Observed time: 5.37
